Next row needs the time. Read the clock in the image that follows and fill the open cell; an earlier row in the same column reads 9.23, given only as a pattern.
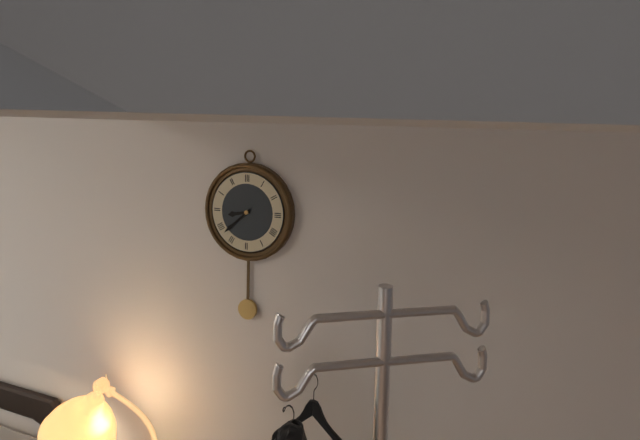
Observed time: 8.38
